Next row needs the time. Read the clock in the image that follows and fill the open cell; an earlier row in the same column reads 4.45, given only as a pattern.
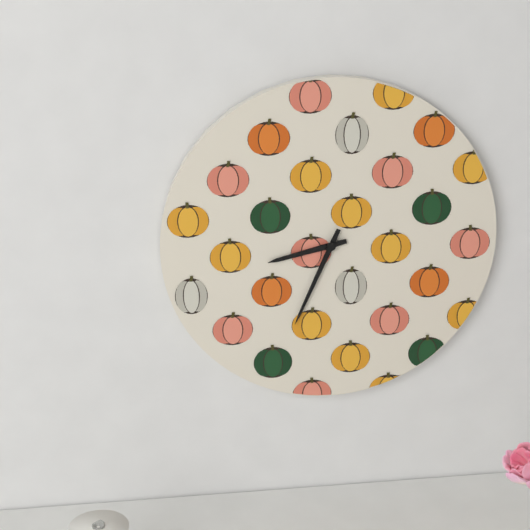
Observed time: 8.34
